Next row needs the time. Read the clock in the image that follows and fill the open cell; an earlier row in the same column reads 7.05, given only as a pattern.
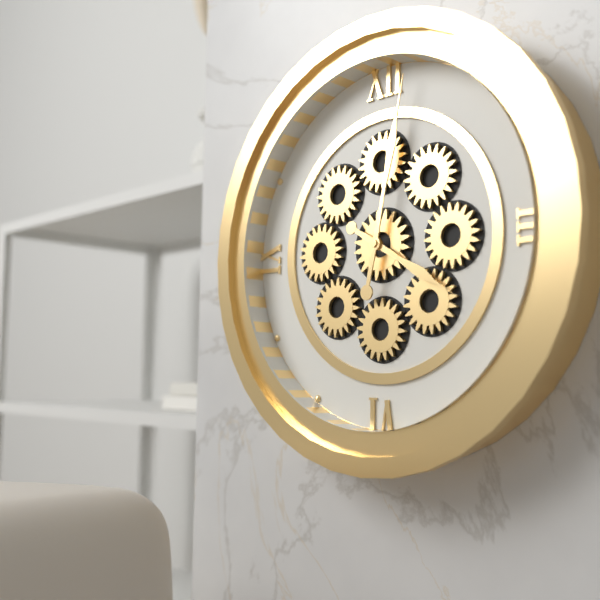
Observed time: 4.02
